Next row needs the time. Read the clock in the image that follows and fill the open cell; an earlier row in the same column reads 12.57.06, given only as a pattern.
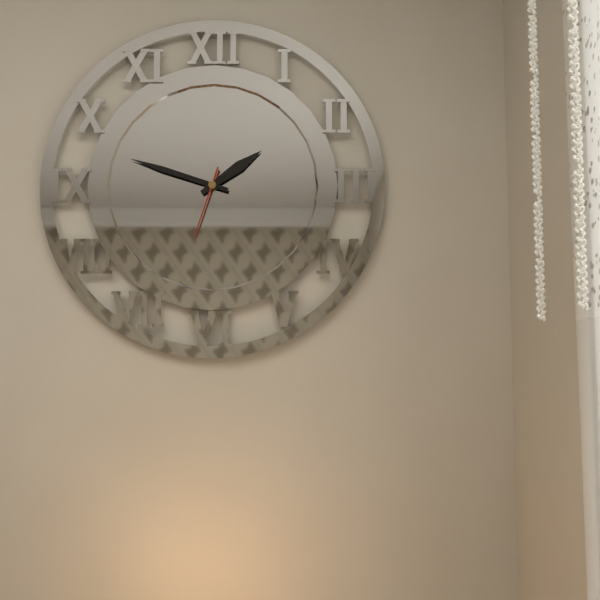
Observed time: 1.48.33
